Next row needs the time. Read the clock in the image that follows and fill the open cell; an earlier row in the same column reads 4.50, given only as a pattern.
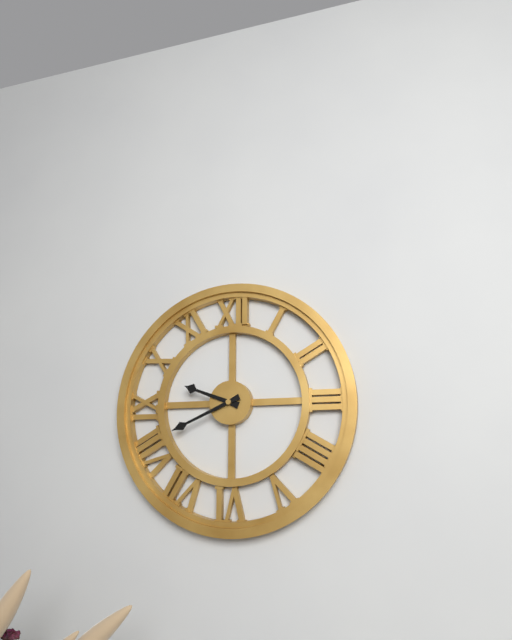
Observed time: 9.41
